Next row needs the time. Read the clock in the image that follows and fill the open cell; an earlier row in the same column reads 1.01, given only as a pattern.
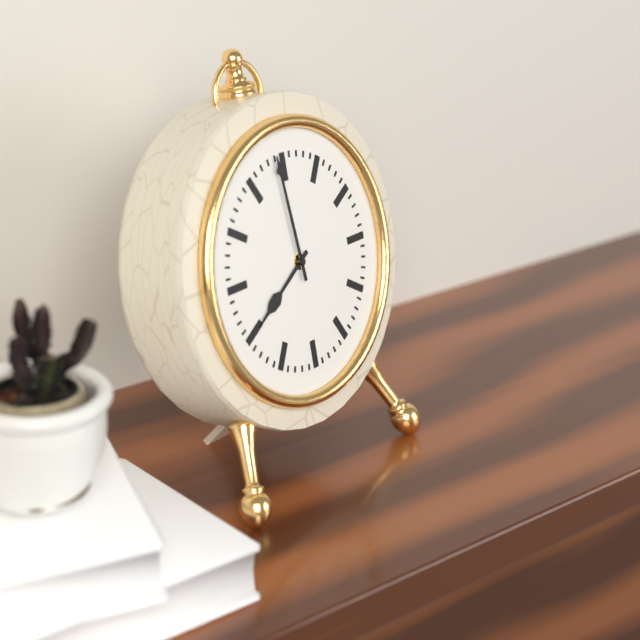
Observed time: 7.59
